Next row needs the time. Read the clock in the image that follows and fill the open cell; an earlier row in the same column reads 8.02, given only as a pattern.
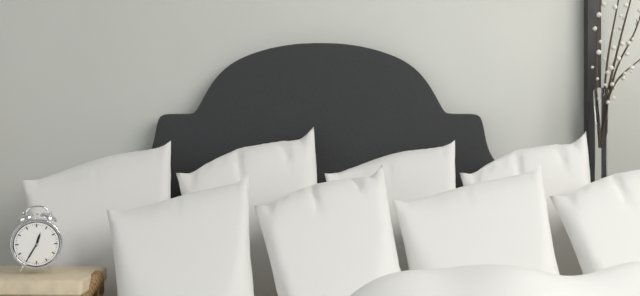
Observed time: 12.35
